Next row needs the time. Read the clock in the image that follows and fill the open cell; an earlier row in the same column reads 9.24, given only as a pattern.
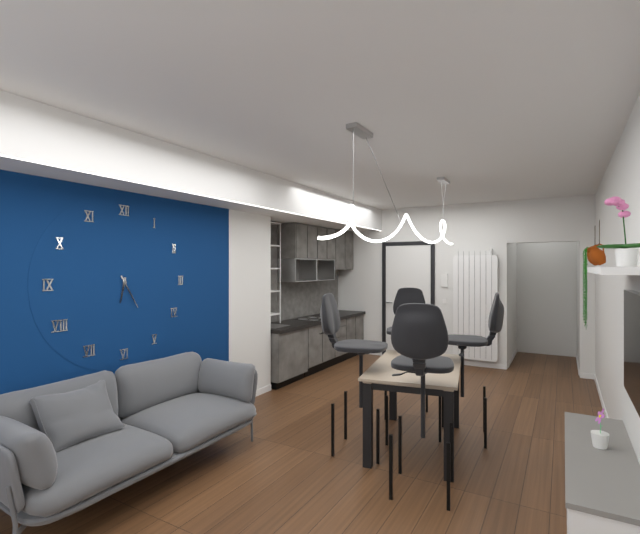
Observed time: 6.25
